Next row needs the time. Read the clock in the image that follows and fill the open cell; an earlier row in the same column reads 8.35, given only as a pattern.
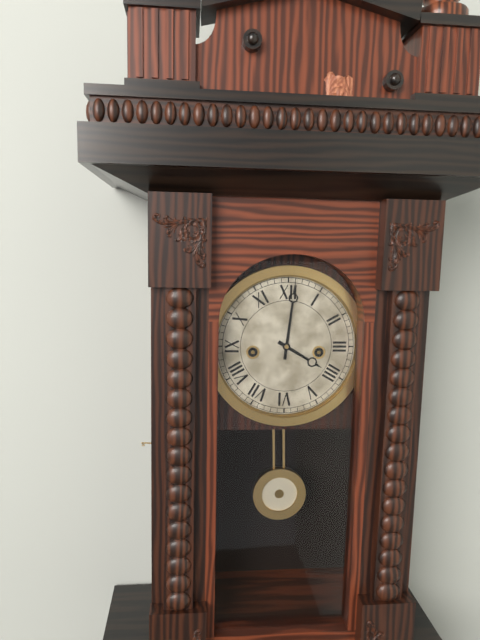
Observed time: 4.01
